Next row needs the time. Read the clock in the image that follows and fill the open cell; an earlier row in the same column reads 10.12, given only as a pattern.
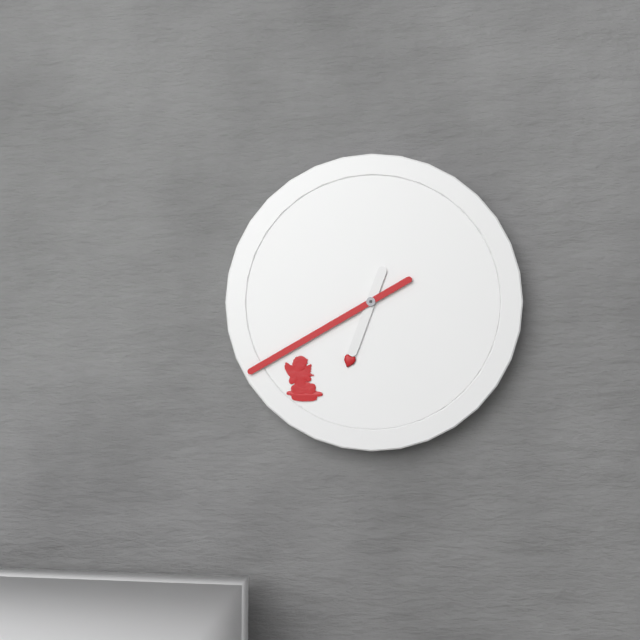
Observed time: 6.40
